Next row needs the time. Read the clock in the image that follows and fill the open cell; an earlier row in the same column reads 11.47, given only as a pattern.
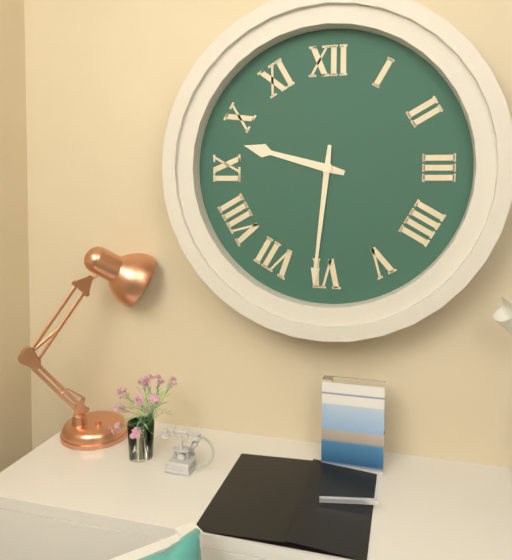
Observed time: 9.31
